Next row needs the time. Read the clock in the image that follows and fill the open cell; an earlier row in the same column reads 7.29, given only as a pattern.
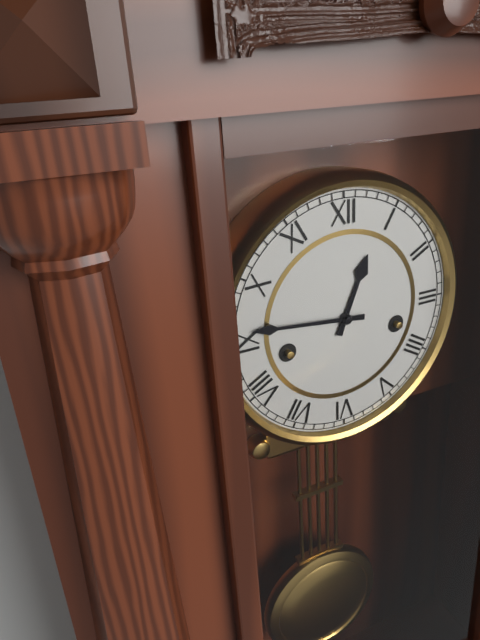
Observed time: 12.46
